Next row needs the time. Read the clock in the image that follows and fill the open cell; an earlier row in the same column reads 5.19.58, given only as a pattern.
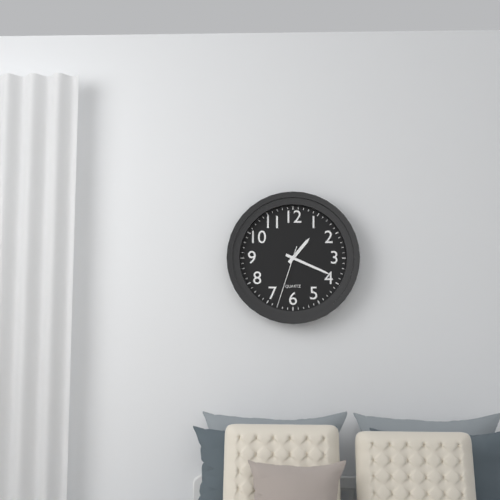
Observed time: 1.19.33
